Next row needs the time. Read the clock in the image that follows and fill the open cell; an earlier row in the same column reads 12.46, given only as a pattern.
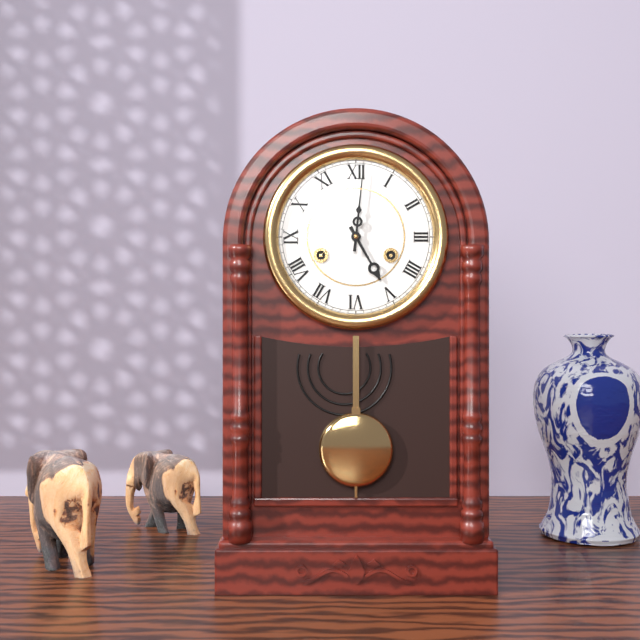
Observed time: 5.01
